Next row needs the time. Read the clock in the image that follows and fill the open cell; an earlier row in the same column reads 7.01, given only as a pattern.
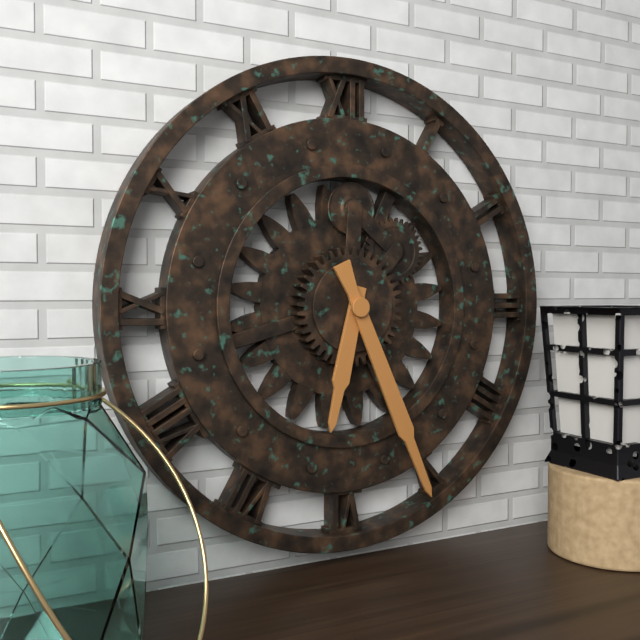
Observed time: 6.26
